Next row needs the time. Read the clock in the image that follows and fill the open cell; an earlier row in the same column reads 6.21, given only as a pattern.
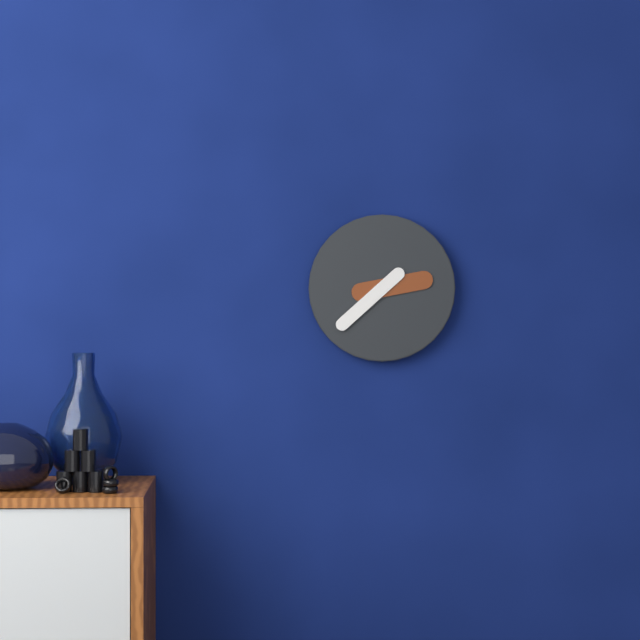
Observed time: 2.38
